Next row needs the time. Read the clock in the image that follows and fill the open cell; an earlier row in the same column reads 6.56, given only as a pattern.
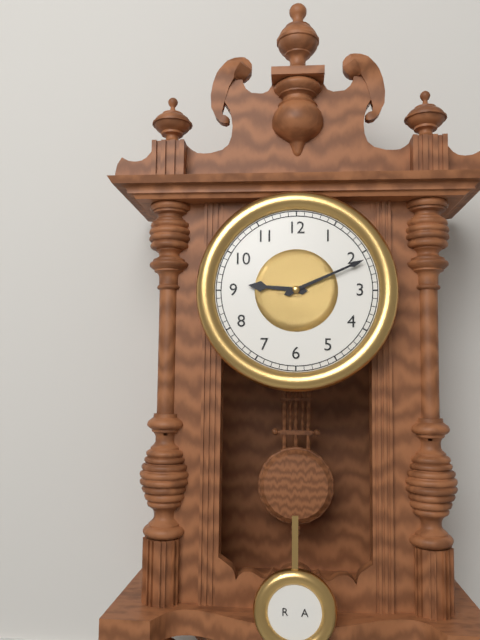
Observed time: 9.11
